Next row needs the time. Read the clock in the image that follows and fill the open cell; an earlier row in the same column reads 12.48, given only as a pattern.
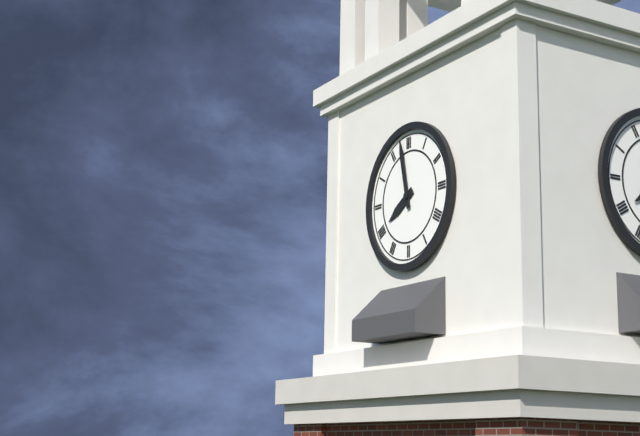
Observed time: 7.58
